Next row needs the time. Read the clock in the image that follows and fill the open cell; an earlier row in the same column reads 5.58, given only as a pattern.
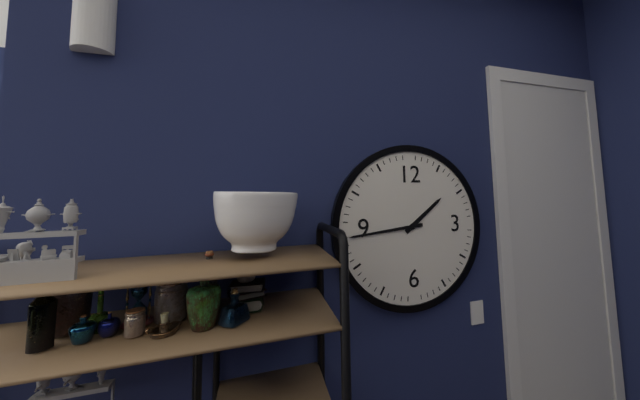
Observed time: 1.44
